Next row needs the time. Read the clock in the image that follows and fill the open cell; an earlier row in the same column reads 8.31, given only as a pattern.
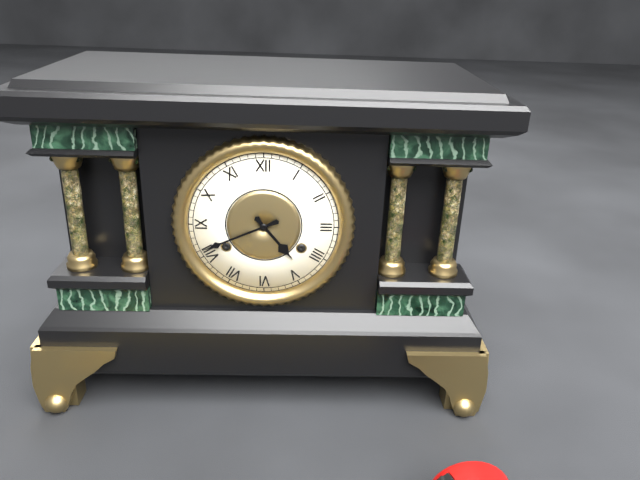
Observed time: 4.41
